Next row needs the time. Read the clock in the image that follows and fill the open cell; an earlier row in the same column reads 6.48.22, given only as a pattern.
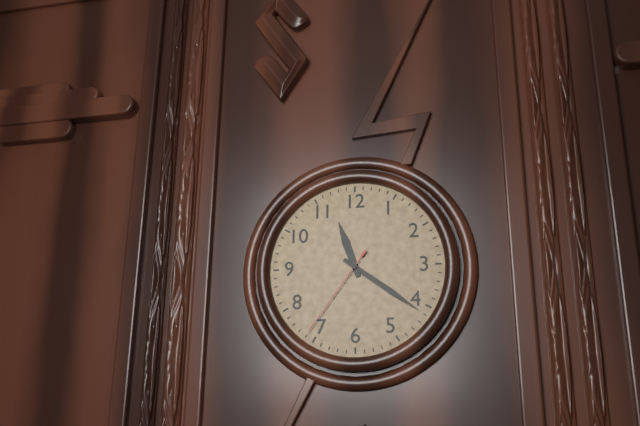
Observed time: 11.21.36
